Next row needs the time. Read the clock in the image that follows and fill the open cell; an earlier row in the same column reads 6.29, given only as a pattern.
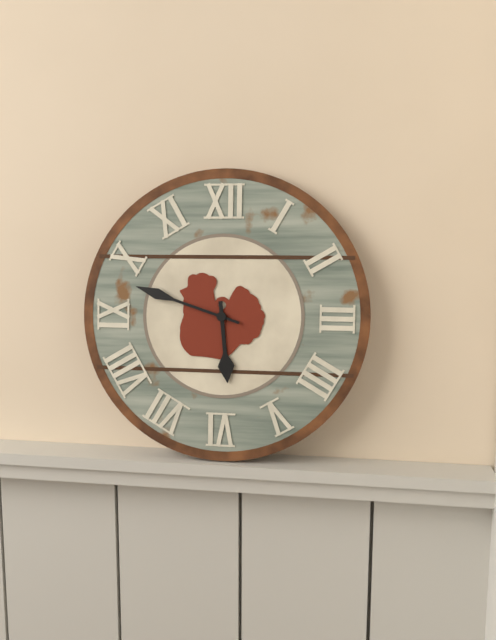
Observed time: 5.48
